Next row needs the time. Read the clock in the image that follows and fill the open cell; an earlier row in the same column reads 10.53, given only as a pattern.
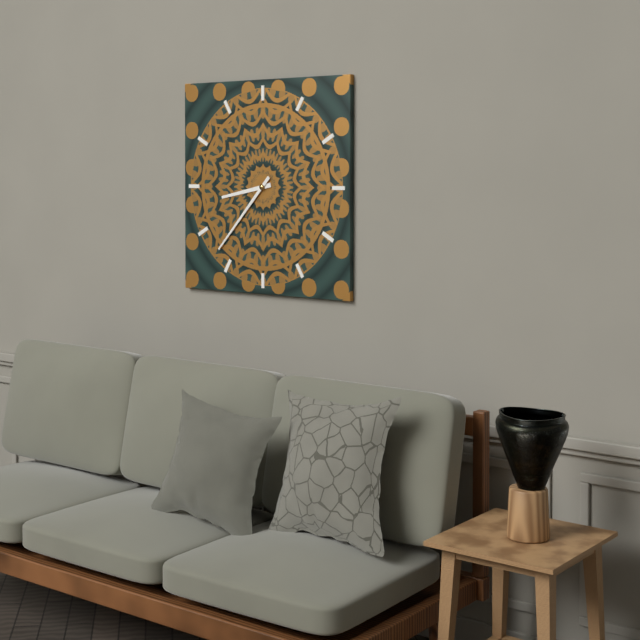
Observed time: 8.37
